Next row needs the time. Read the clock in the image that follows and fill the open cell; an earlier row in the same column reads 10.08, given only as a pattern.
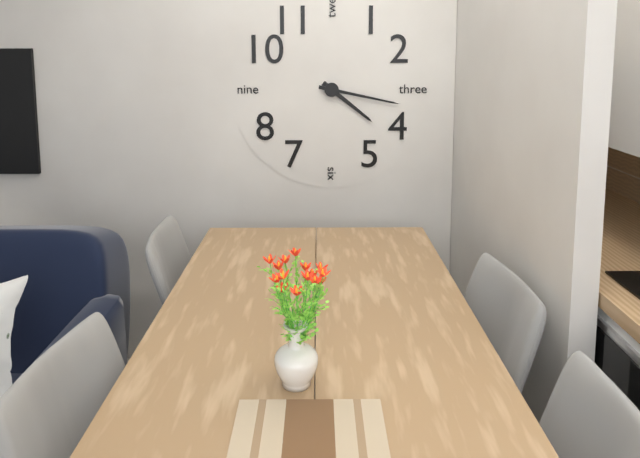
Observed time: 4.17
